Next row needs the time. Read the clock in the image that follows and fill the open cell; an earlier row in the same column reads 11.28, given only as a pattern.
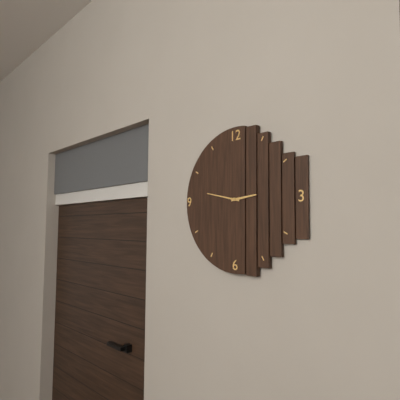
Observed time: 2.47
